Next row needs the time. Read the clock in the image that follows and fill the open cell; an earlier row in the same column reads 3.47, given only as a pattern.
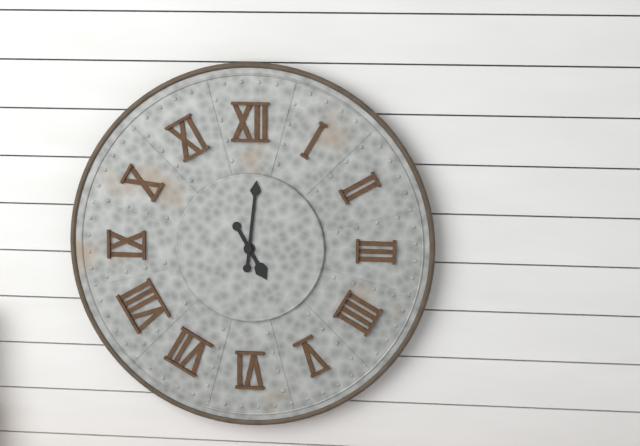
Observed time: 5.01
